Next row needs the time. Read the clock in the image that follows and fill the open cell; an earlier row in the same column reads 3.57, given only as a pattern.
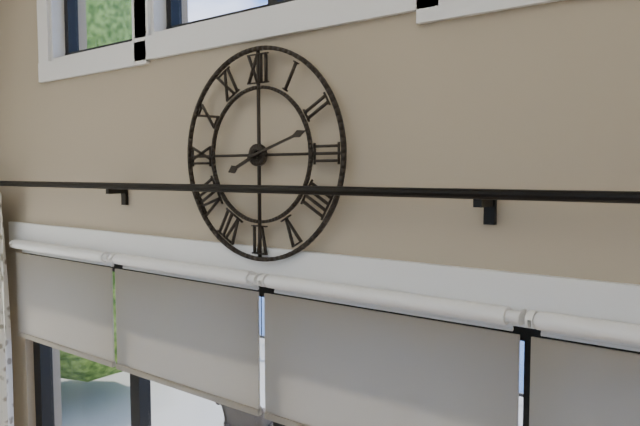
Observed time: 8.12
